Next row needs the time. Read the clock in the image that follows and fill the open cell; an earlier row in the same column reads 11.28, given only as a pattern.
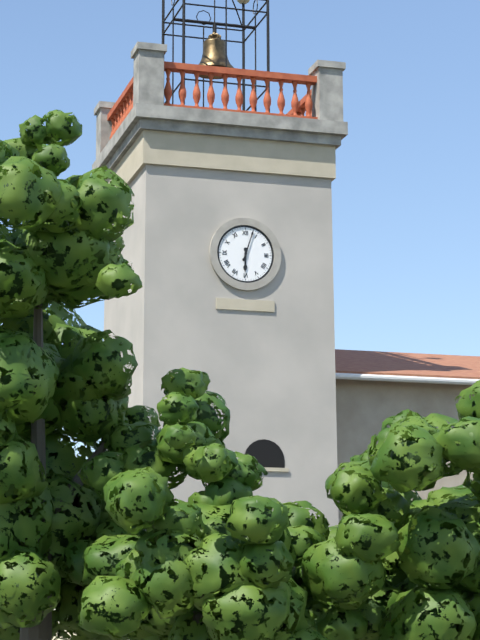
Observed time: 6.03
